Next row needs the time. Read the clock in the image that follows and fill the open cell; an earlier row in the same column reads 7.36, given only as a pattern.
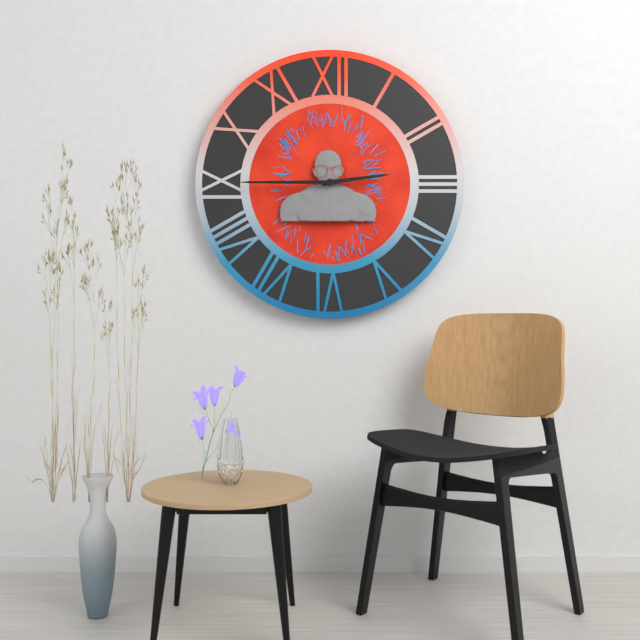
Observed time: 2.45
